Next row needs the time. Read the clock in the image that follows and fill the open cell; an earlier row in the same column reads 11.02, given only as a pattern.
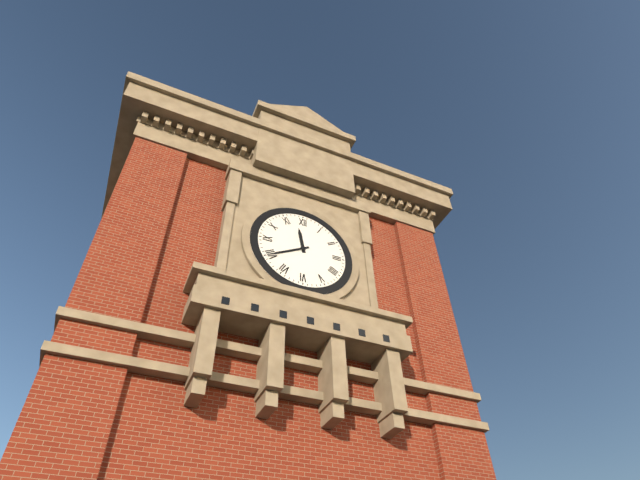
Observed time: 11.40
